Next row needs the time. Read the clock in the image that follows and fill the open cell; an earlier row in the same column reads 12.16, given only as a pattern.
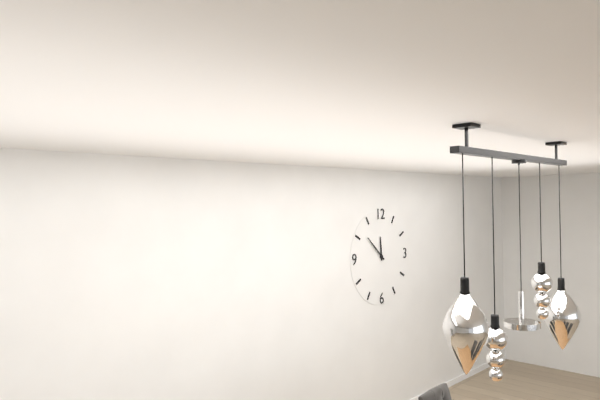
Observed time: 11.52
